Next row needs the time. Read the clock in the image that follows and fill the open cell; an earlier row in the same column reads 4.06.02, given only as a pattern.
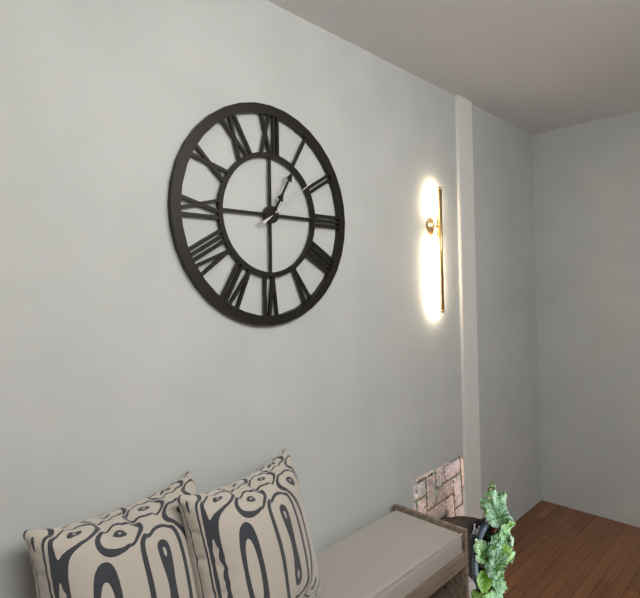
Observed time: 1.05.09
